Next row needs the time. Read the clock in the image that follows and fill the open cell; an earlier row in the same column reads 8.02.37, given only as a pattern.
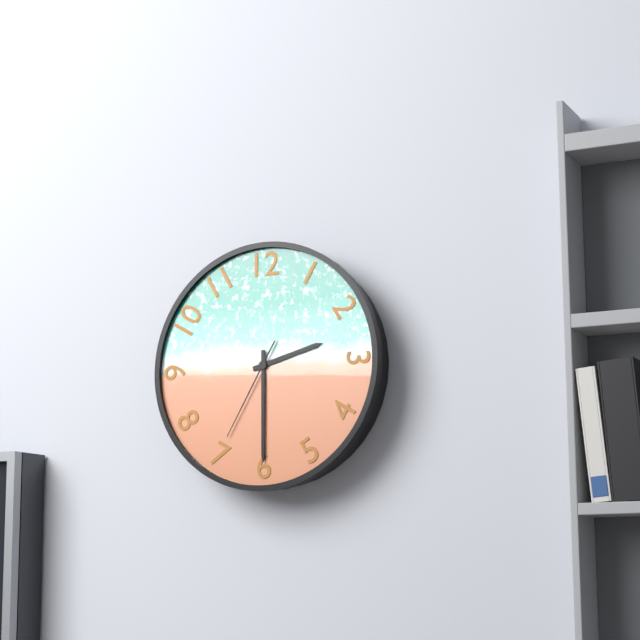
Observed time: 2.30.35
